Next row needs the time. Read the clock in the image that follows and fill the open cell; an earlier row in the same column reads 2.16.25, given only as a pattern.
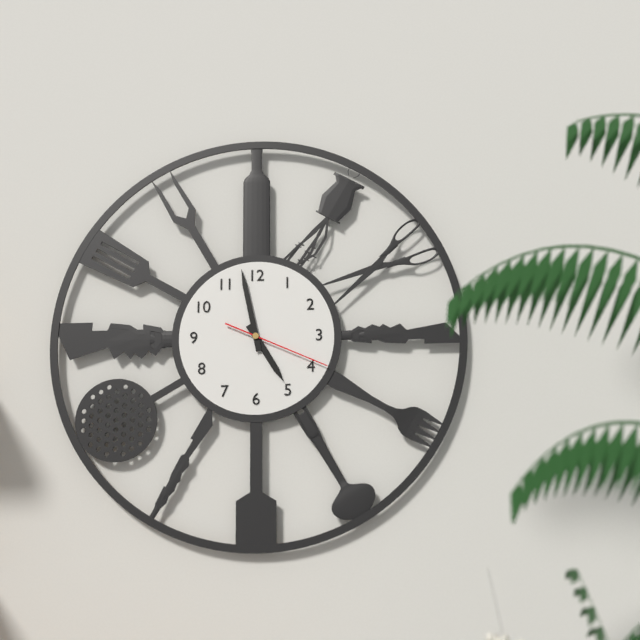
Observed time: 4.58.19
